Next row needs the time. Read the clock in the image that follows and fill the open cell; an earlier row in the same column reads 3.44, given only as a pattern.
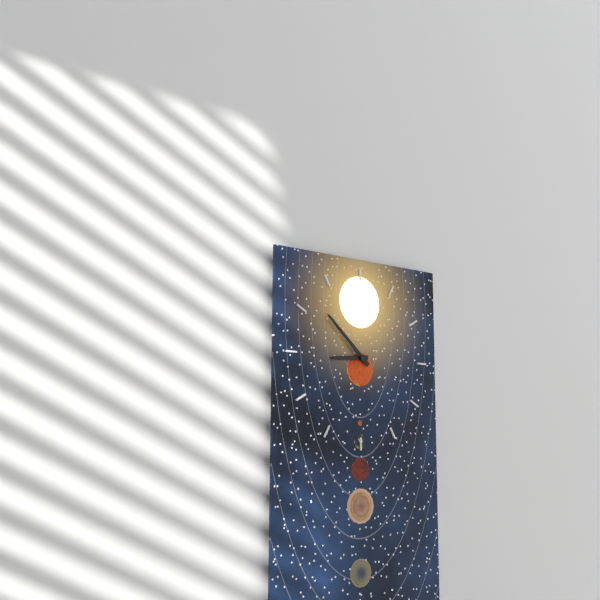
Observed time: 8.52
